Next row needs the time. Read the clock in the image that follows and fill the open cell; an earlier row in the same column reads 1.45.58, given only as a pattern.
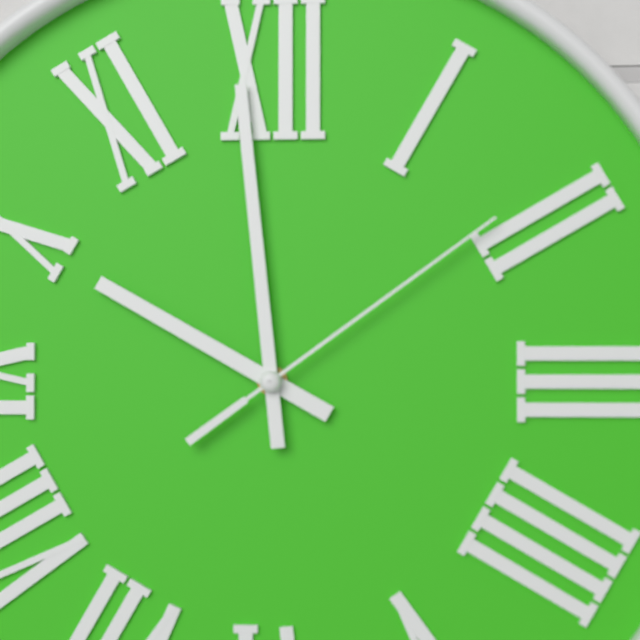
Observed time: 9.59.09
